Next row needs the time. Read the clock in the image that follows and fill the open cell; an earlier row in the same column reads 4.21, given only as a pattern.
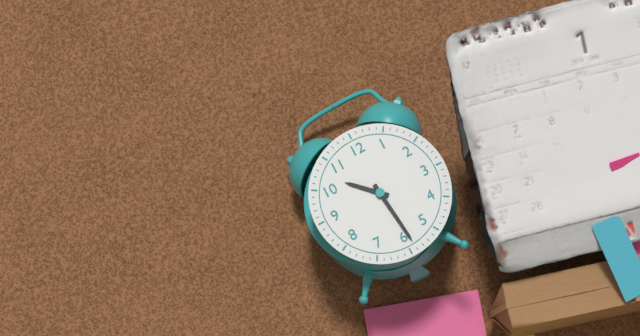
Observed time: 10.29
